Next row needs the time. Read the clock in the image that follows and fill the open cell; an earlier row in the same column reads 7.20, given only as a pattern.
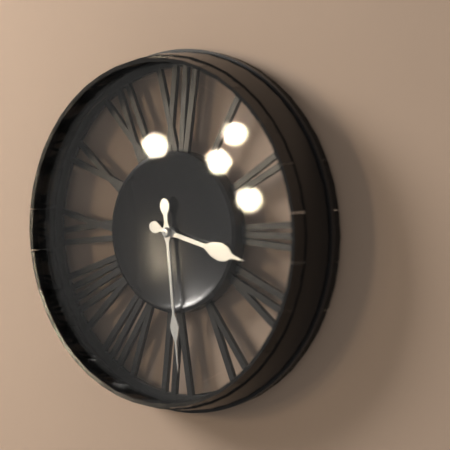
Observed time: 3.29
